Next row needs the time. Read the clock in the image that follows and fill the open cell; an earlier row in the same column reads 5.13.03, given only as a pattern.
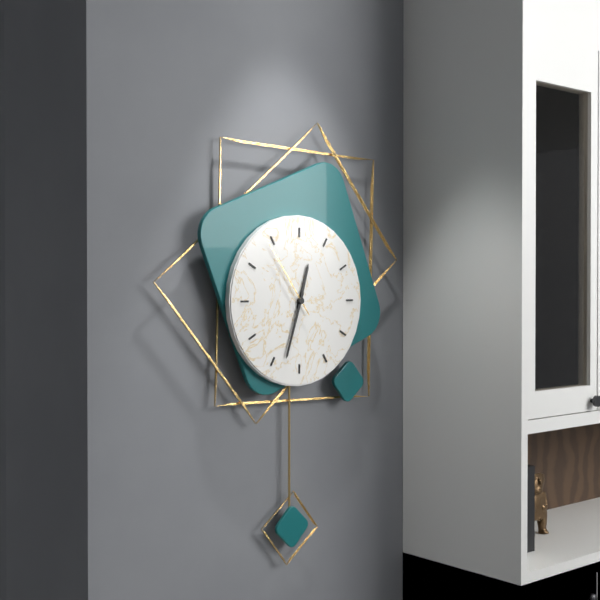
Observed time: 12.33.54
